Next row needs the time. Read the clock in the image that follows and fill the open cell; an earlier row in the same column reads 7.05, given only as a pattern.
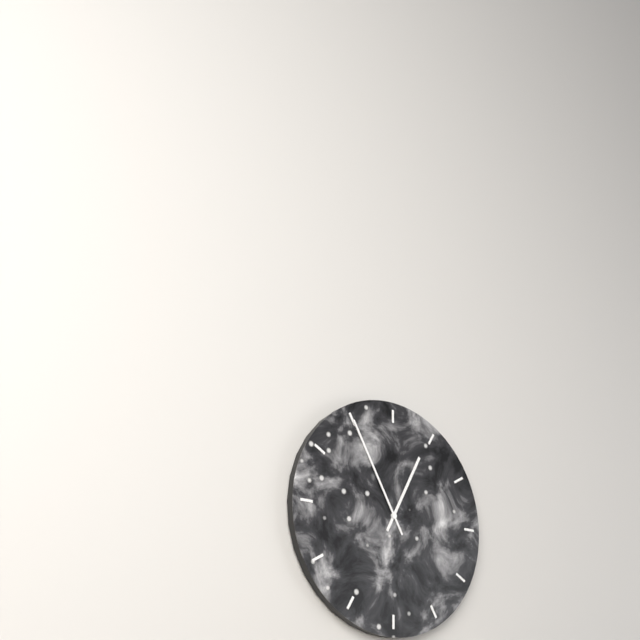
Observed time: 12.55
